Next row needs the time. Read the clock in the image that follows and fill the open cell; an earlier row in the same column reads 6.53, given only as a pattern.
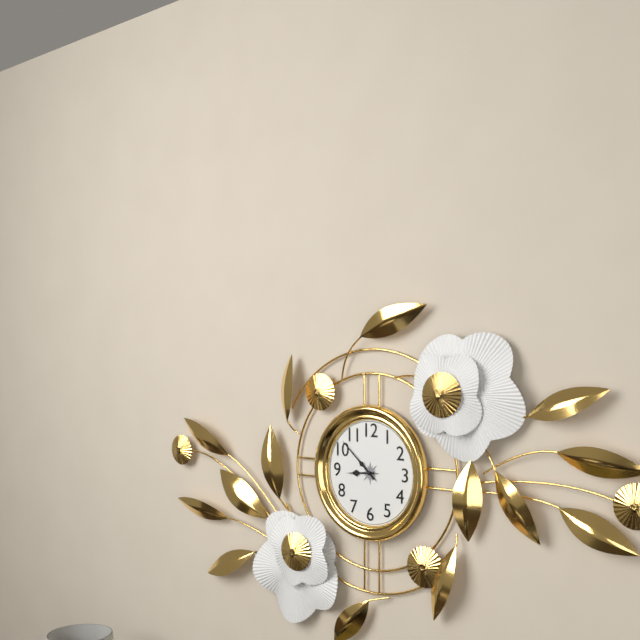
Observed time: 8.52
